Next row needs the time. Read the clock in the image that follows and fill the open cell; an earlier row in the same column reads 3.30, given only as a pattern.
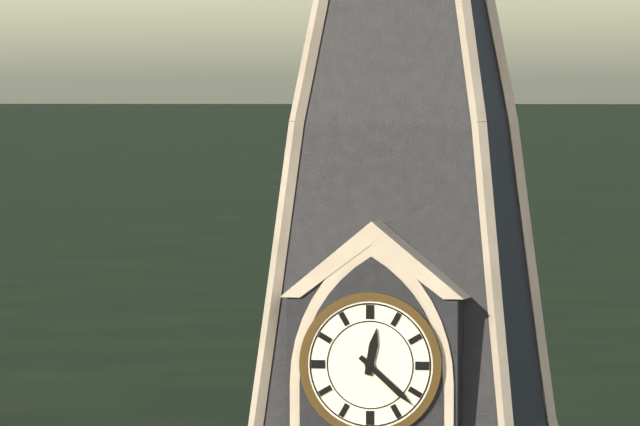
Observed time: 12.22
